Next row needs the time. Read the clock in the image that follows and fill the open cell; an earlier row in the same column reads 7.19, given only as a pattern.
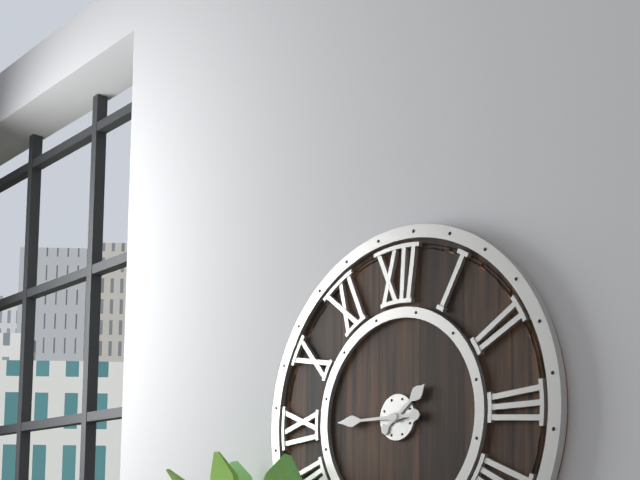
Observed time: 1.45
